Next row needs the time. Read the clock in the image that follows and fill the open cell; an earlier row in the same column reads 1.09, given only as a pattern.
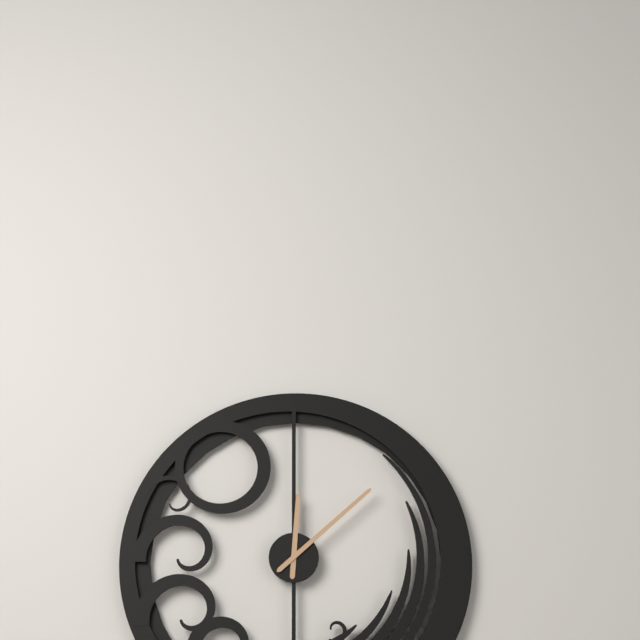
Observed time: 12.08
